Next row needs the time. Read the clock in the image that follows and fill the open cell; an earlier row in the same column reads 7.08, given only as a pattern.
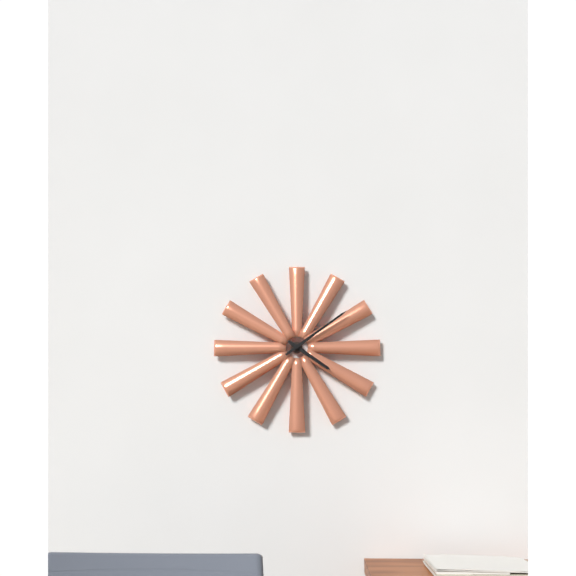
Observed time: 4.09
